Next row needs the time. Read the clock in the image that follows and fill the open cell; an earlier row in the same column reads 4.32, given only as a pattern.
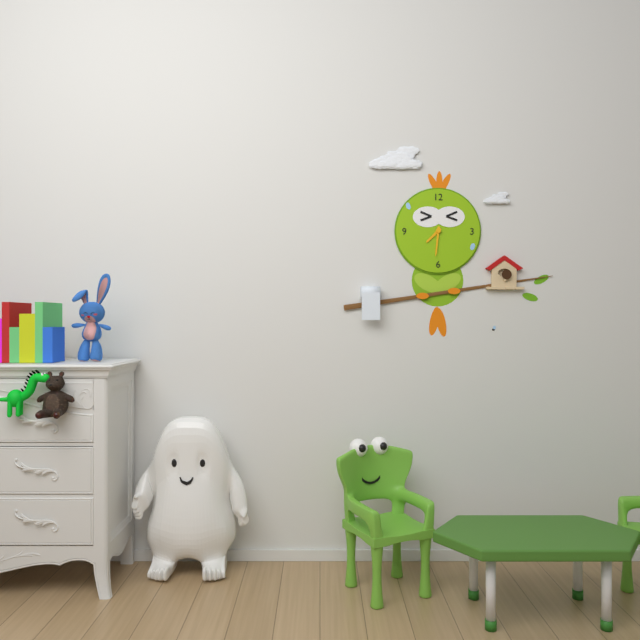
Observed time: 7.31
